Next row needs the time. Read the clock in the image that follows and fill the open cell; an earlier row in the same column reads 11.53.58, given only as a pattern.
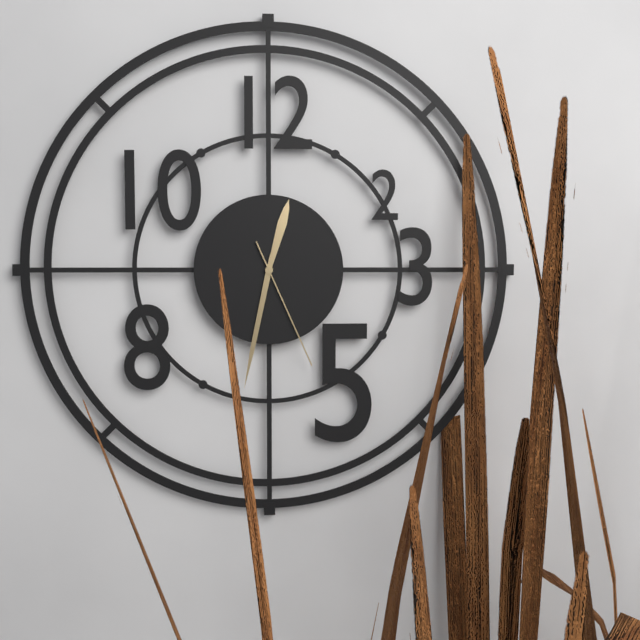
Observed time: 12.32.26
